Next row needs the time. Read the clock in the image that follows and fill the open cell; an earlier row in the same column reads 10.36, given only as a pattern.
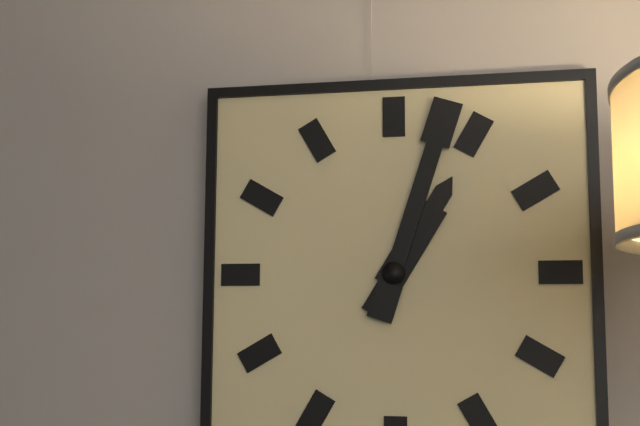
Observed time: 1.03
